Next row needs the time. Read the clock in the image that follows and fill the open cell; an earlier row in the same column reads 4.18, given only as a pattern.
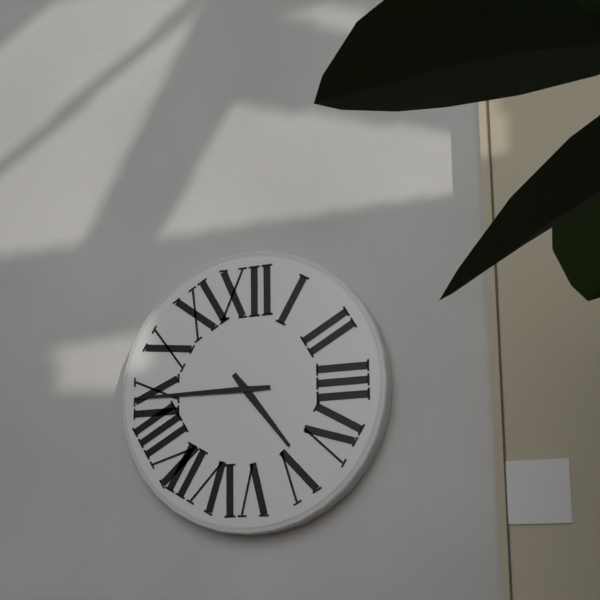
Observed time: 4.45
